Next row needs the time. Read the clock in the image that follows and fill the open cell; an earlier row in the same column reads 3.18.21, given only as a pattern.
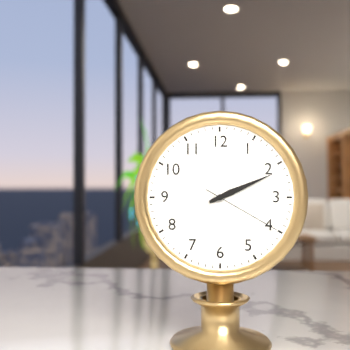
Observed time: 2.11.20
